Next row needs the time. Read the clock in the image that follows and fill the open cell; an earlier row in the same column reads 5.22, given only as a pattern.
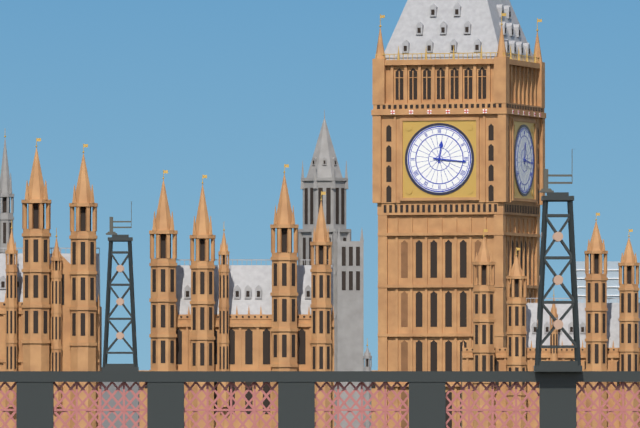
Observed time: 12.16
